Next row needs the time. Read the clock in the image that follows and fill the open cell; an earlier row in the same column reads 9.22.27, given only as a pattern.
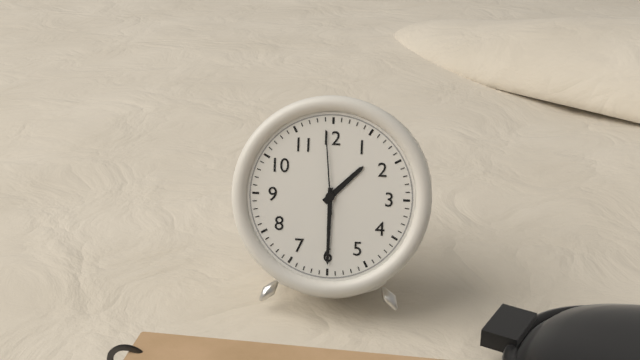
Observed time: 1.30.59
